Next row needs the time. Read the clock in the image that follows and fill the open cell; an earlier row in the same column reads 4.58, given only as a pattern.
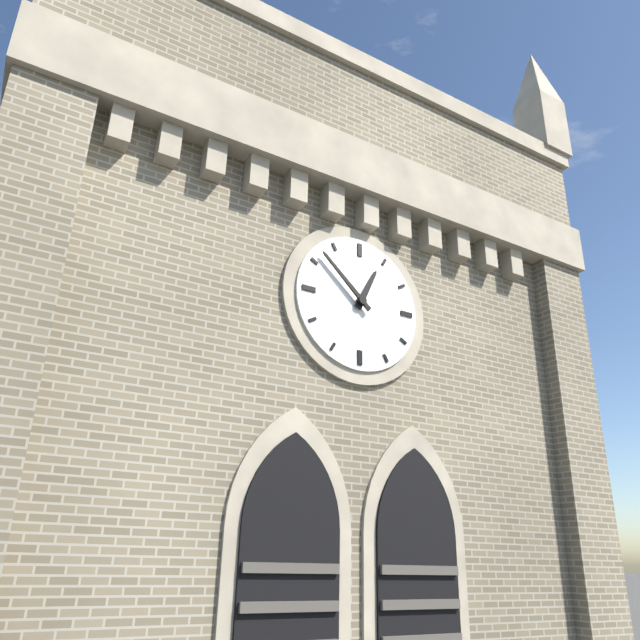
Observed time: 12.52
